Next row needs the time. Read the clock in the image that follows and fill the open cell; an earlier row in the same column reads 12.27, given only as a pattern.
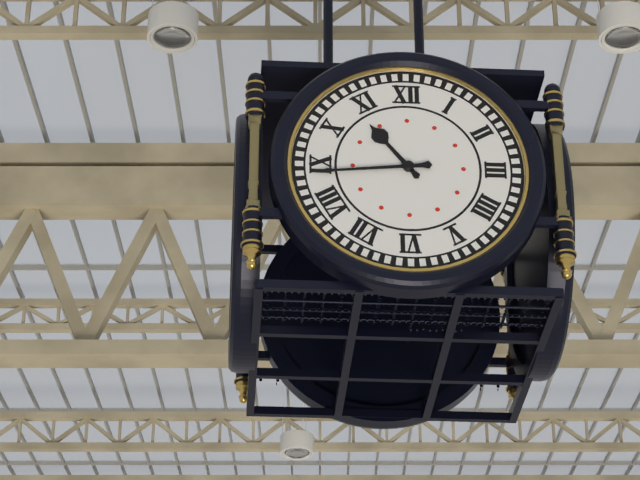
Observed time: 10.44
